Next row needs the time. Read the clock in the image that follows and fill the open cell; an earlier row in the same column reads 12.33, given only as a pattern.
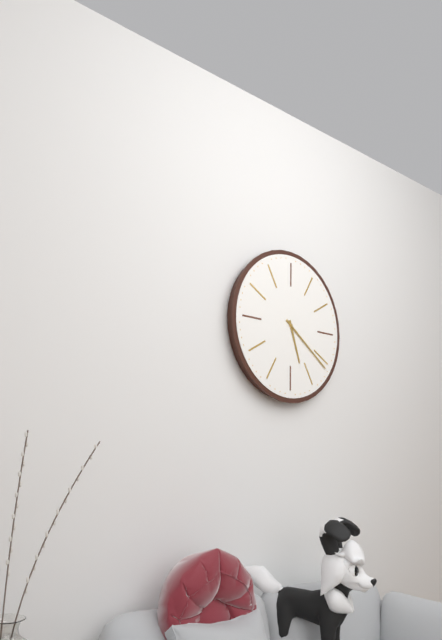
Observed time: 5.21
